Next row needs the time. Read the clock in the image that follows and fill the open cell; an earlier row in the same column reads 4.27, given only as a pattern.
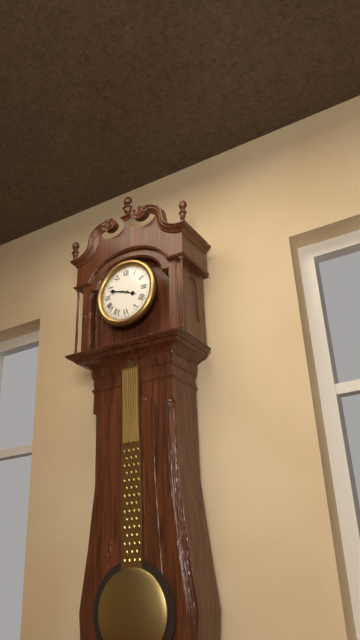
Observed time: 3.48
